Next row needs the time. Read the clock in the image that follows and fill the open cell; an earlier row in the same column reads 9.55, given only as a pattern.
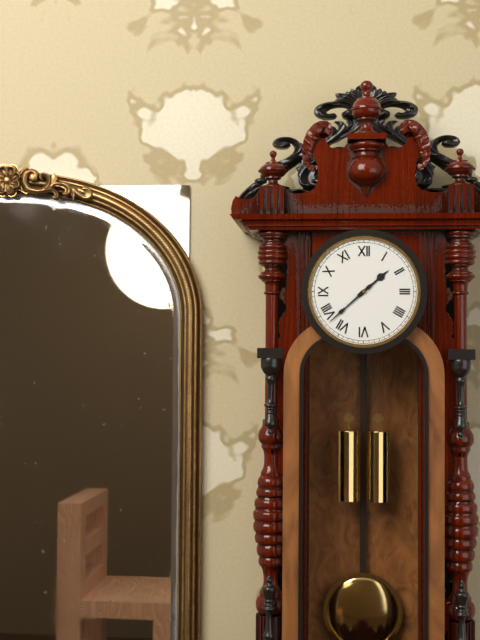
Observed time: 1.38
